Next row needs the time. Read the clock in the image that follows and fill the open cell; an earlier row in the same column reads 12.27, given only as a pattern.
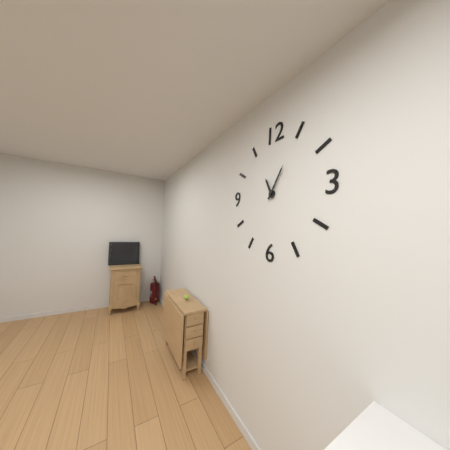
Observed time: 11.05
